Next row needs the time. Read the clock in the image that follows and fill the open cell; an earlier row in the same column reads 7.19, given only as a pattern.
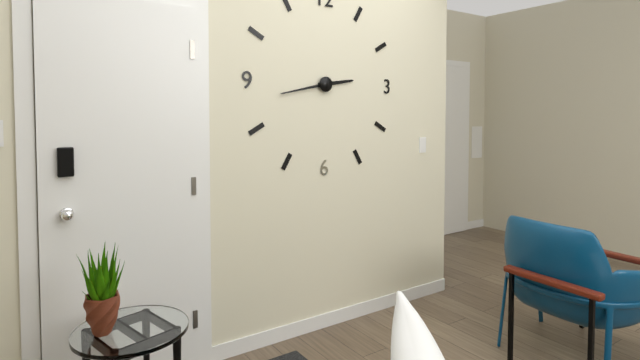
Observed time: 2.43
